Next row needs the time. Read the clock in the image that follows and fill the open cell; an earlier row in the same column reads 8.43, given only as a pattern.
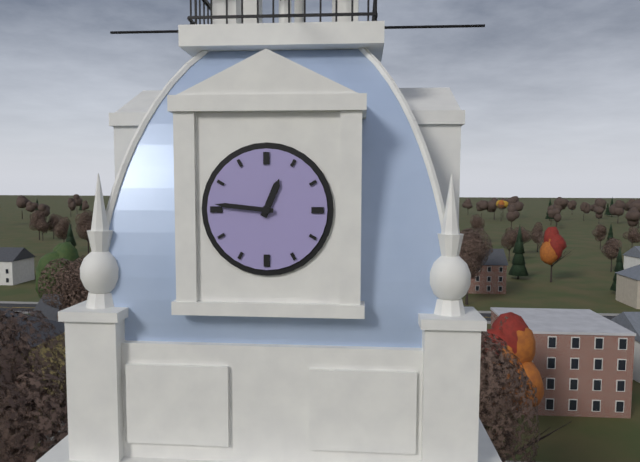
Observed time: 12.46
